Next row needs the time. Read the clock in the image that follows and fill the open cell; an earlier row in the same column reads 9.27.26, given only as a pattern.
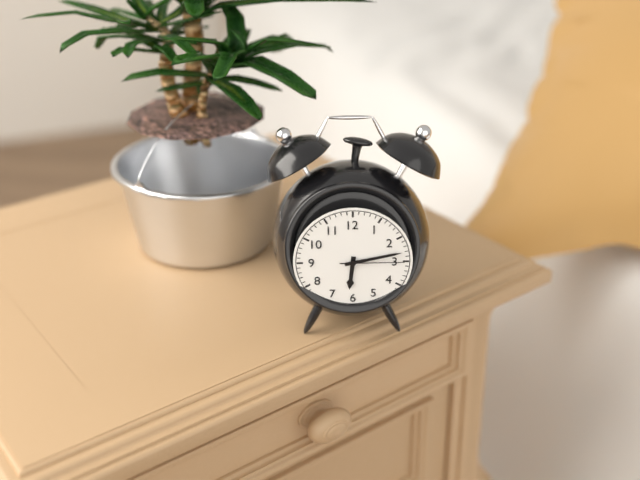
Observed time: 6.13.15
